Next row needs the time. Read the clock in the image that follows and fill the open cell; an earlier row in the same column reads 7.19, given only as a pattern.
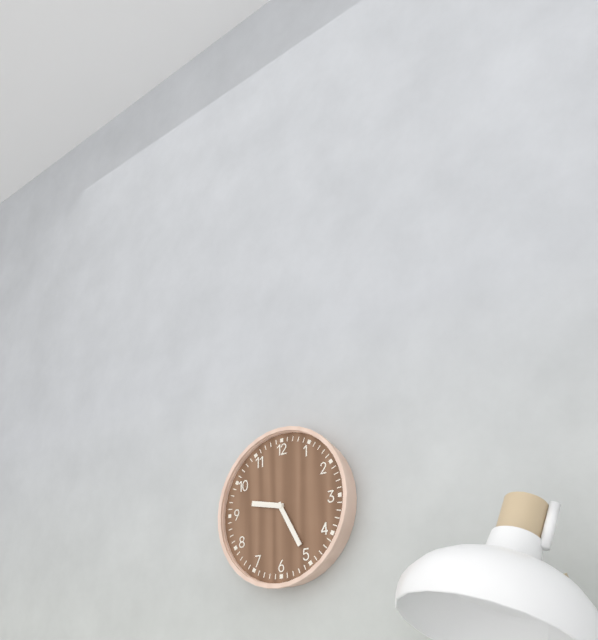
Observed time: 9.25
